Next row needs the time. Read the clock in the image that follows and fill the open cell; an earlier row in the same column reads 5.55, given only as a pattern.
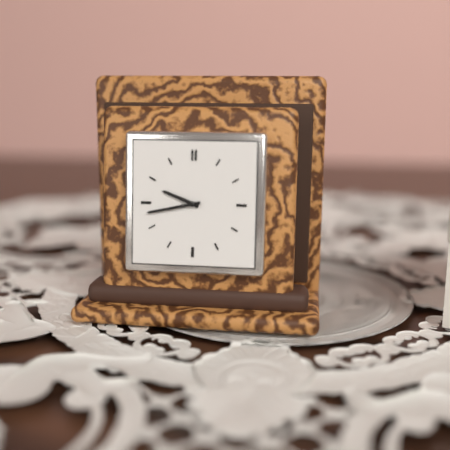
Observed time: 9.43
